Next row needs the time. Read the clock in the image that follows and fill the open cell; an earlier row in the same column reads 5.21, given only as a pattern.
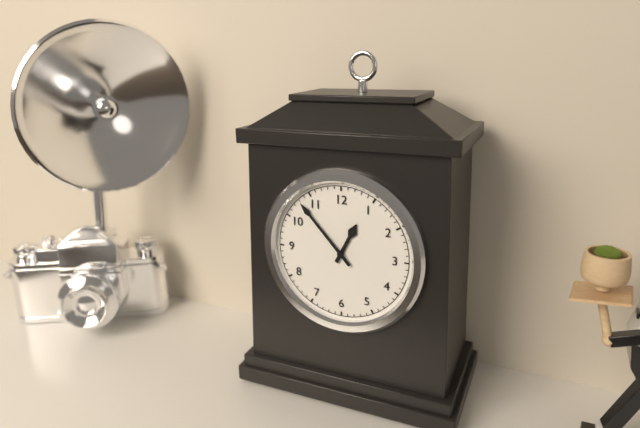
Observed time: 12.53
